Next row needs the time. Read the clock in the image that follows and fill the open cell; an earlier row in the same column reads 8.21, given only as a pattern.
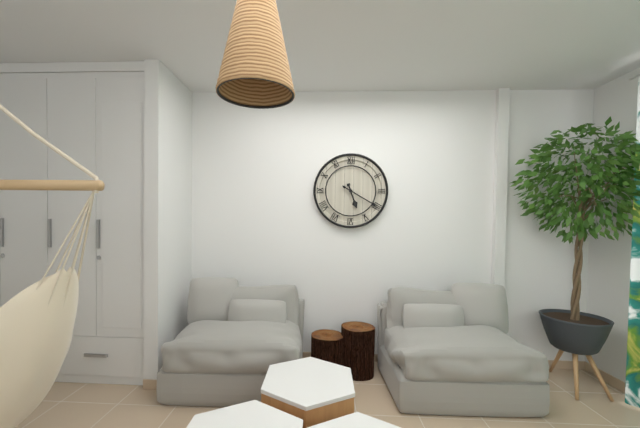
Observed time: 5.20
